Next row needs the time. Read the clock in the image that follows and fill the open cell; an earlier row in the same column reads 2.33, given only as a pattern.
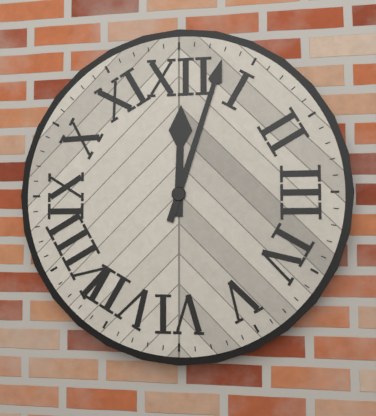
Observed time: 12.03
